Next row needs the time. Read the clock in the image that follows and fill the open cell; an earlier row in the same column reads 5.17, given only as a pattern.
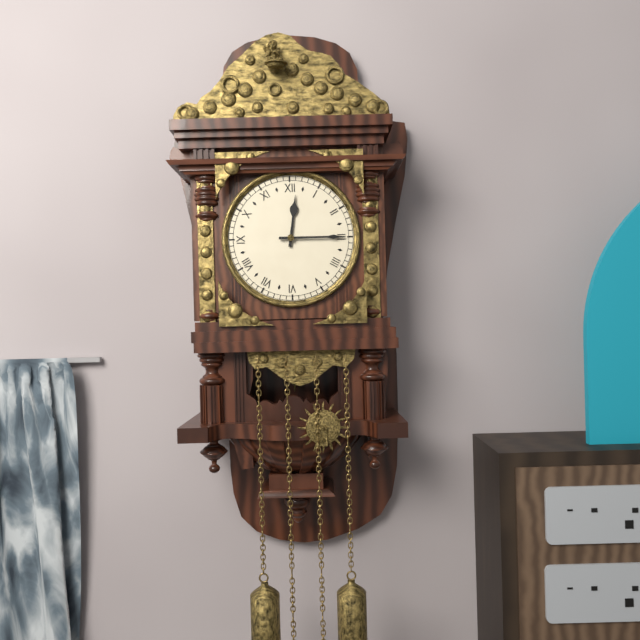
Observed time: 12.15
